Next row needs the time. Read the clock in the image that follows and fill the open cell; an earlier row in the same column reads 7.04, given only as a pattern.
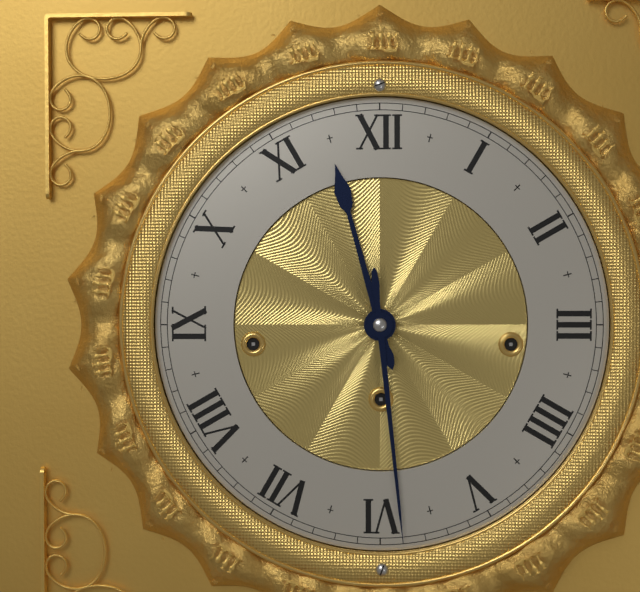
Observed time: 11.29
